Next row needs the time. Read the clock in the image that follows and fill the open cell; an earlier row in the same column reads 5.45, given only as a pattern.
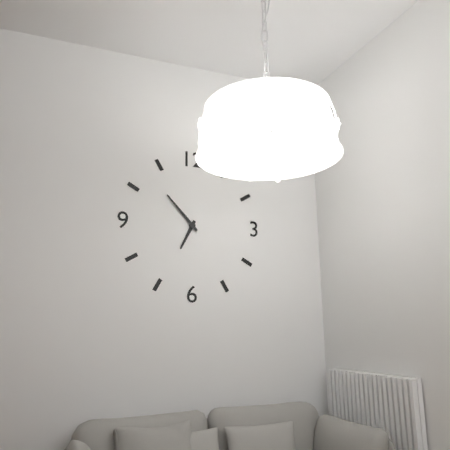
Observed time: 6.53
